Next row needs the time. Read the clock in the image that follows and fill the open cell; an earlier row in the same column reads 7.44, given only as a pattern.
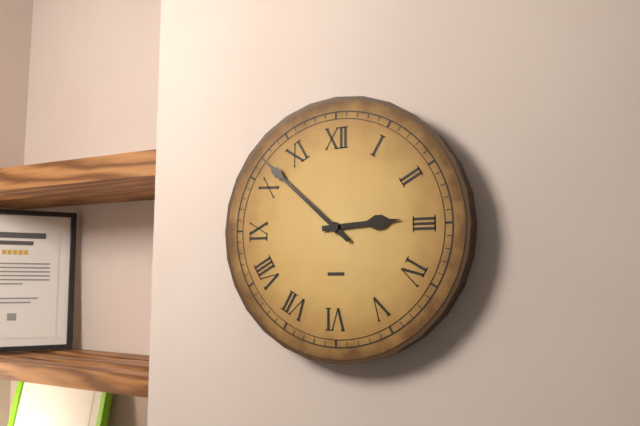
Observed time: 2.52
